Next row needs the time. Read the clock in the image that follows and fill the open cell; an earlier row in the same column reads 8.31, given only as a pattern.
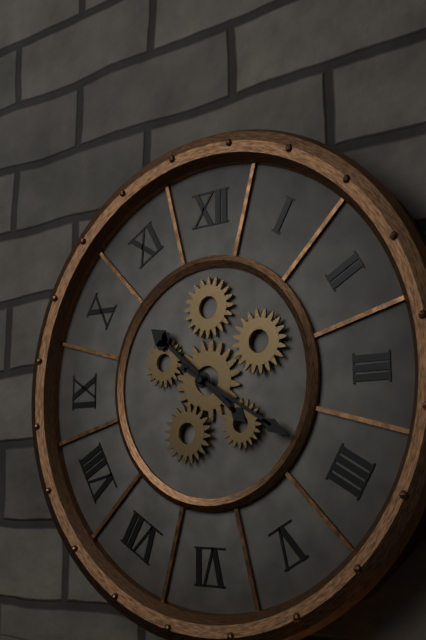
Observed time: 10.20
